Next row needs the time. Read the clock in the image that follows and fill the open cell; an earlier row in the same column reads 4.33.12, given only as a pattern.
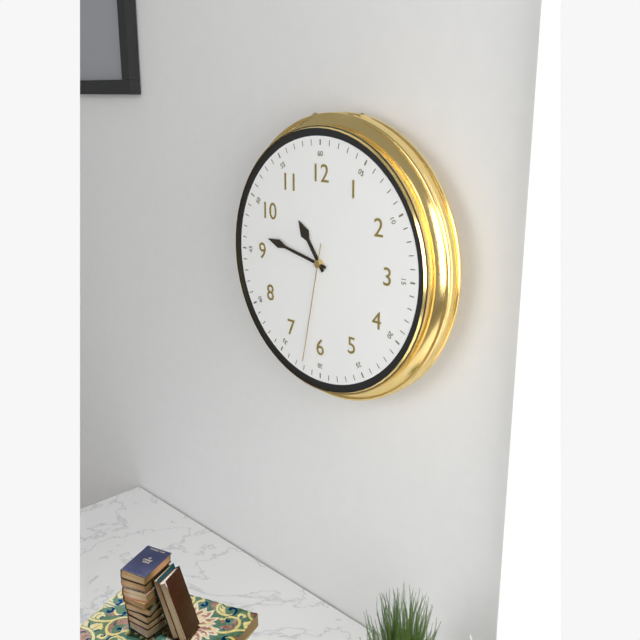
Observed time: 10.47.32
